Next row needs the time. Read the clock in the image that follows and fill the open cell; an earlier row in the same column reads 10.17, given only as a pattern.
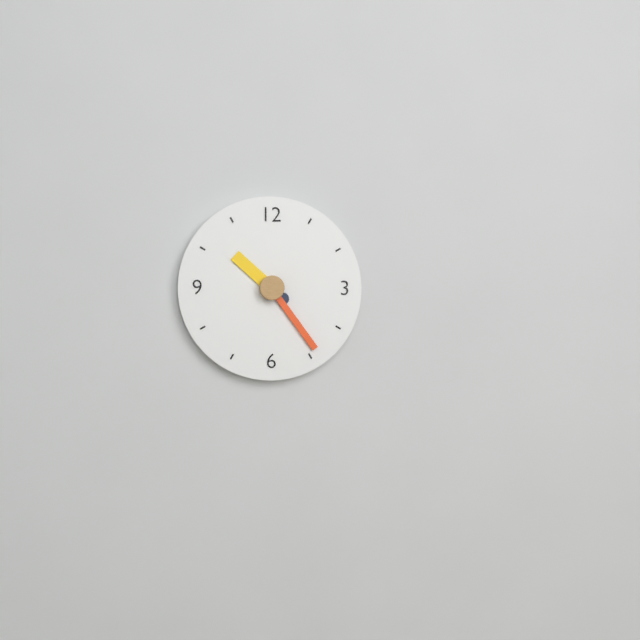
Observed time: 10.24
